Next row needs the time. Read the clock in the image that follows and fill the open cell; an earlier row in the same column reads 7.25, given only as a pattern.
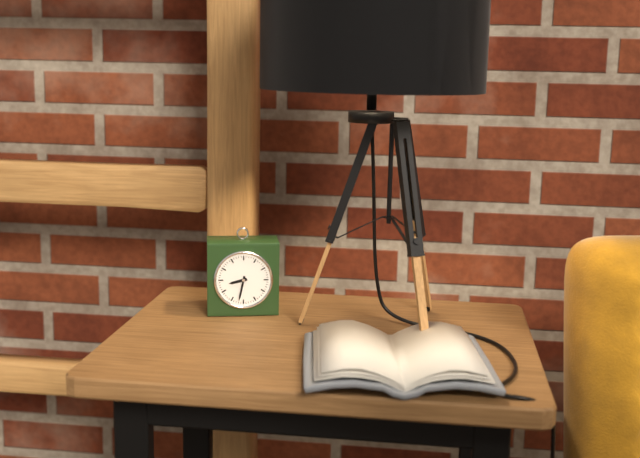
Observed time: 8.32
